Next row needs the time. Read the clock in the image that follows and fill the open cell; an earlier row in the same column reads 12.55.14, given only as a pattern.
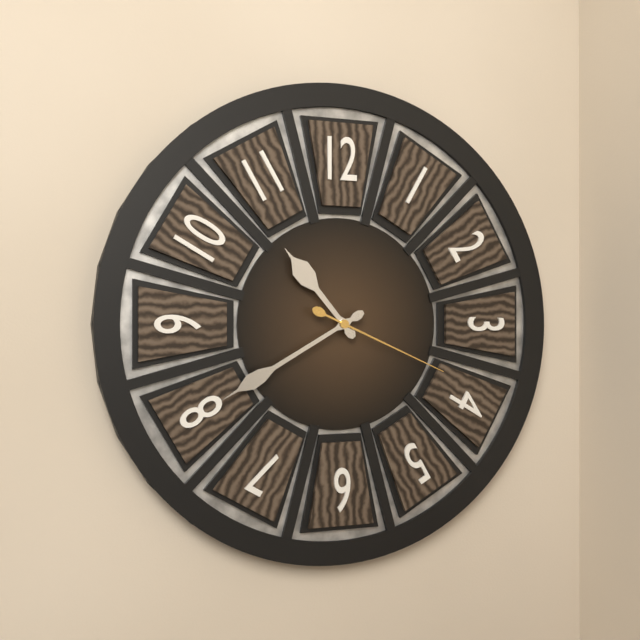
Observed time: 10.40.19
